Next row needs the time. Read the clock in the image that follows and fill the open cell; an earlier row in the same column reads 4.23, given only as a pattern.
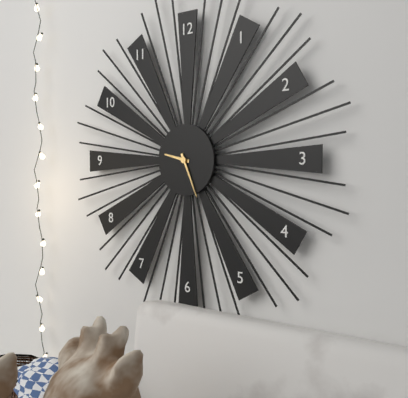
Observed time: 9.26
